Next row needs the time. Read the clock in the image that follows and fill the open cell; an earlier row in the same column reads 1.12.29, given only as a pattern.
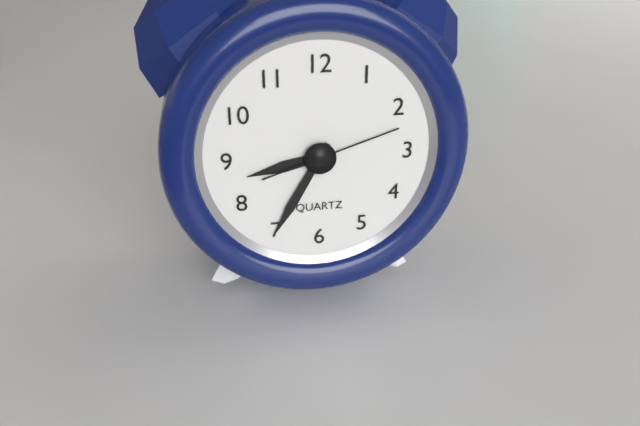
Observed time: 8.35.12
